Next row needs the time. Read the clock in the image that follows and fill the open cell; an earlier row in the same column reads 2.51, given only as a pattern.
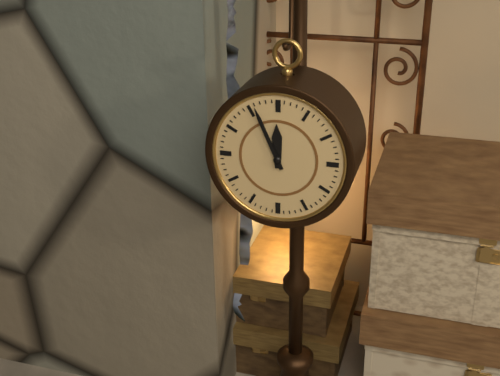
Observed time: 11.56
